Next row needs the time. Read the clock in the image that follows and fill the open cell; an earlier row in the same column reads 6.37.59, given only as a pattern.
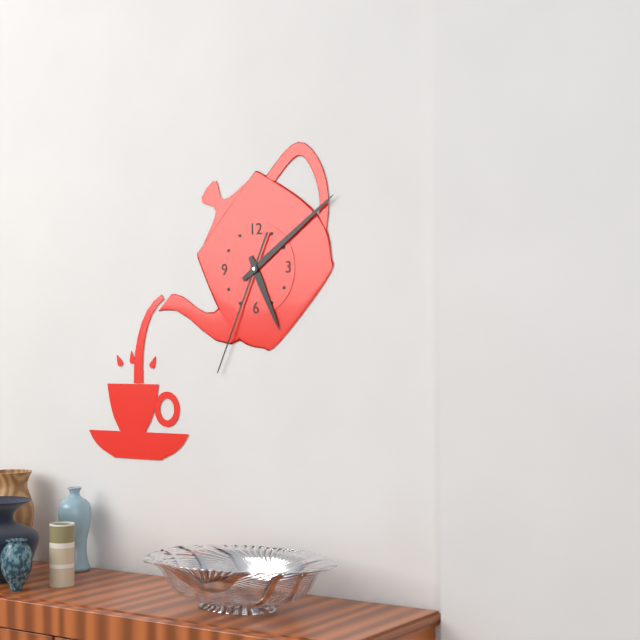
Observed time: 5.09.34
